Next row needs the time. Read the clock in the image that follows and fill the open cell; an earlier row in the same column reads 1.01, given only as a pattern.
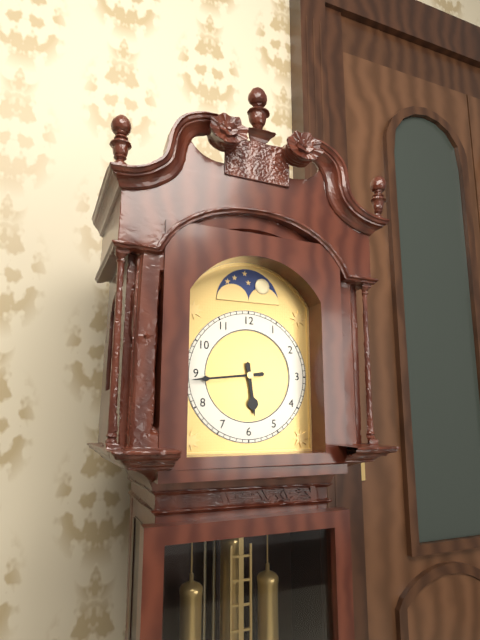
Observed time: 5.44
